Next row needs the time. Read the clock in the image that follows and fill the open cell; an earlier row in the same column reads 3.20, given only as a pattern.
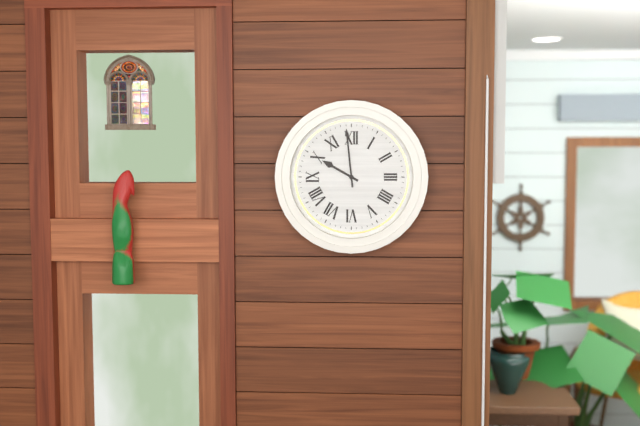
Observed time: 9.59
